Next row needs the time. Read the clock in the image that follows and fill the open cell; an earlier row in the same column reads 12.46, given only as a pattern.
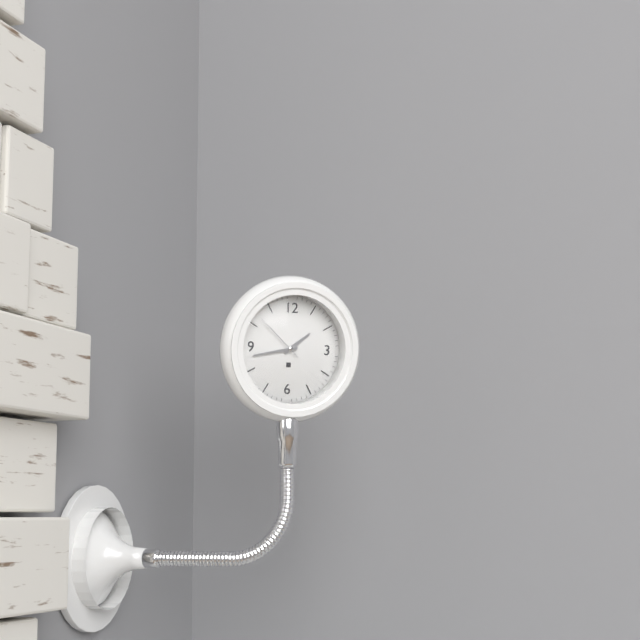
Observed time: 1.43
